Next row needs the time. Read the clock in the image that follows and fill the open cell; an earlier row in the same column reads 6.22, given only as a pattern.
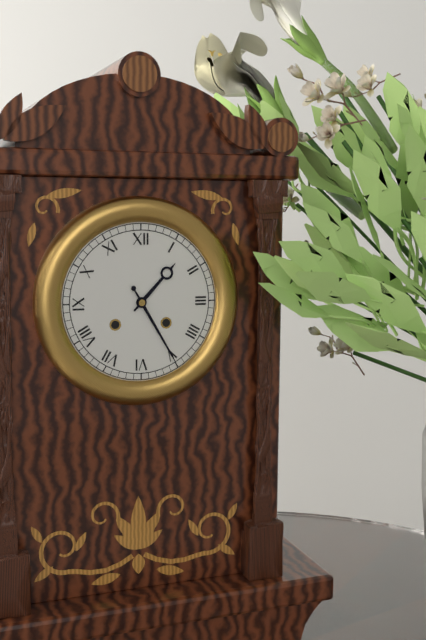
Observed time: 1.25
